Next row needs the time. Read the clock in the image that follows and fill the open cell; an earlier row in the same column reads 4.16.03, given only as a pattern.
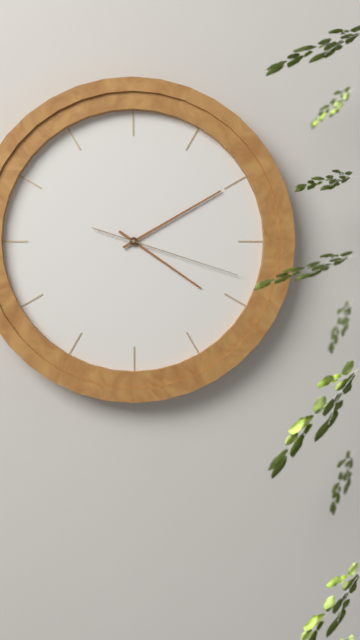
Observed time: 4.10.18
